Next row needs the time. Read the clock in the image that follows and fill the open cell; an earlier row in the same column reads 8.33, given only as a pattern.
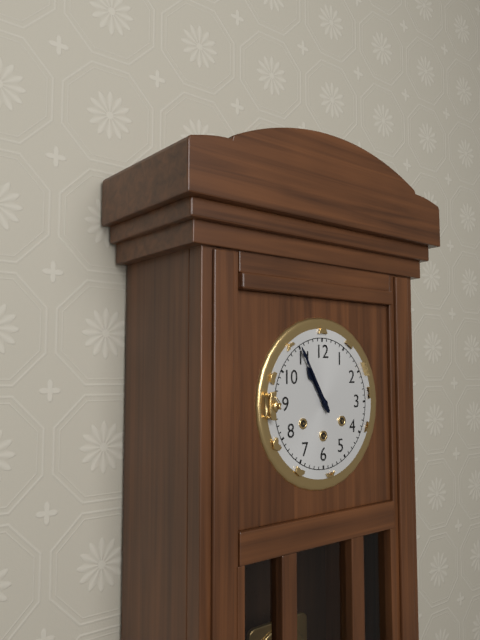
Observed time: 10.55
